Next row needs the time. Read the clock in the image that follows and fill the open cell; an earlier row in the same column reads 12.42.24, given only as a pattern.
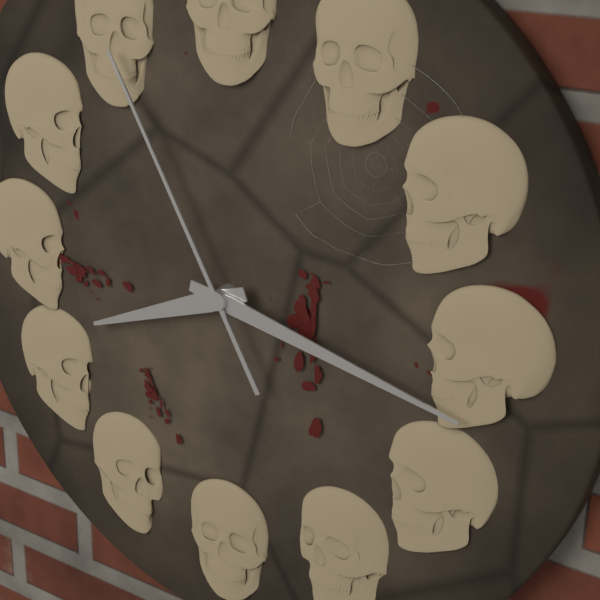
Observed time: 8.17.55
